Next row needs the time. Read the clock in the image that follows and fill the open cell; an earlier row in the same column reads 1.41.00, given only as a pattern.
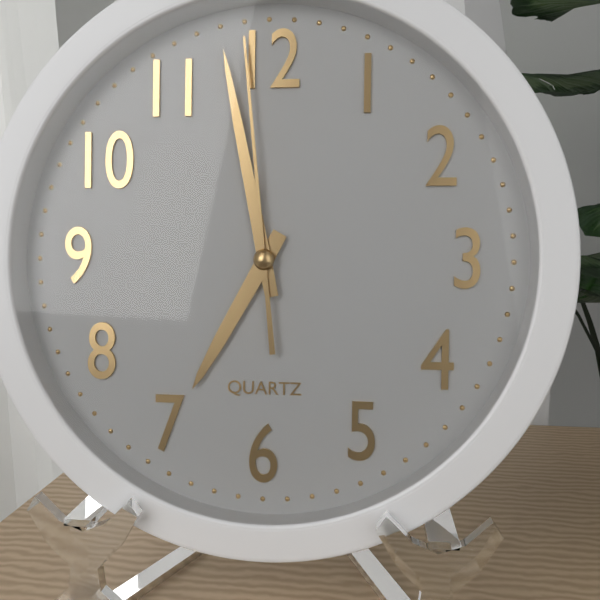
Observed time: 6.58.59
